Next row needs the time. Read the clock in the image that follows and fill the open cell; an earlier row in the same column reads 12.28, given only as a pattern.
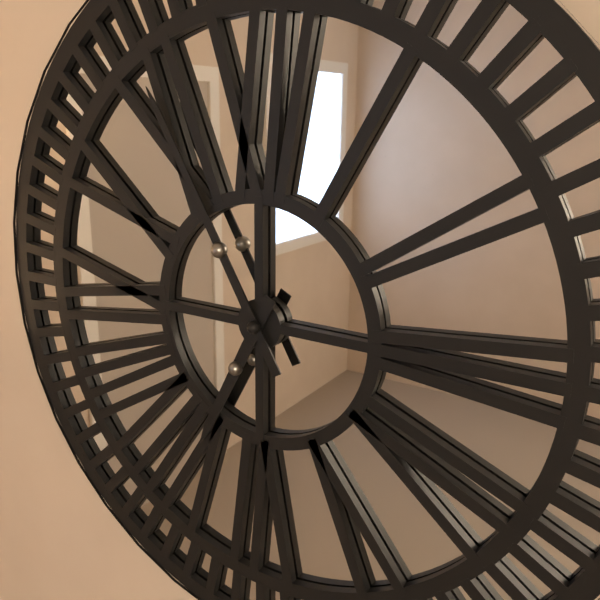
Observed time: 6.55
